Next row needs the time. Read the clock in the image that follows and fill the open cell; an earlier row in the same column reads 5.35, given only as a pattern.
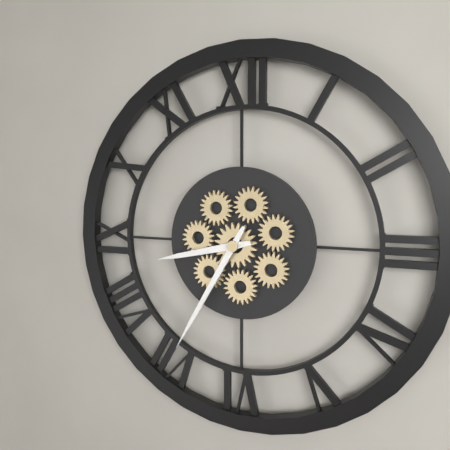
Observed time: 8.35
